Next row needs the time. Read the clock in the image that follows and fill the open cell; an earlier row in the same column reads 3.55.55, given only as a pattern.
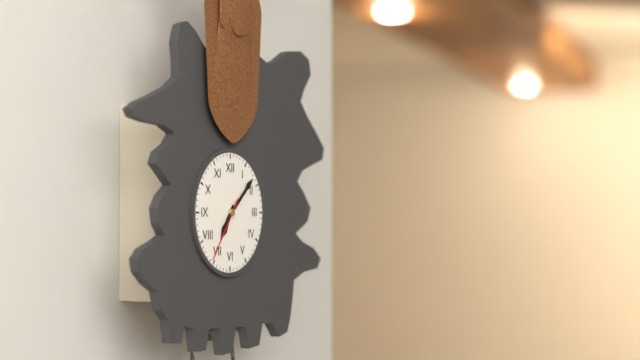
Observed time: 7.08.36
